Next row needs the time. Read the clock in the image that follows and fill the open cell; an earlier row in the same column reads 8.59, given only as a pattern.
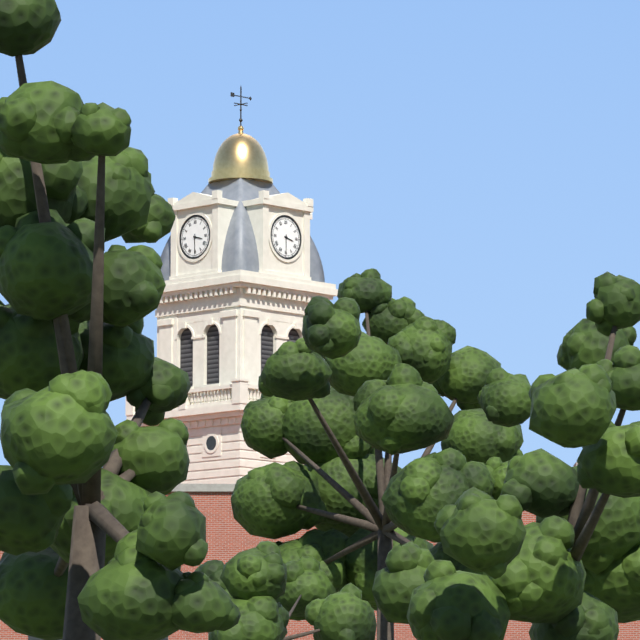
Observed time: 3.30
